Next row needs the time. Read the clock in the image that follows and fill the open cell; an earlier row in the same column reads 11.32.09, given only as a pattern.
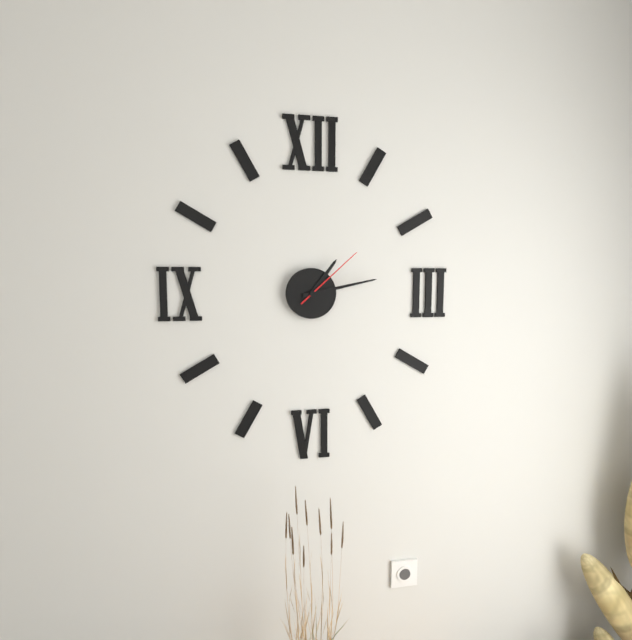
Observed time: 1.13.08
